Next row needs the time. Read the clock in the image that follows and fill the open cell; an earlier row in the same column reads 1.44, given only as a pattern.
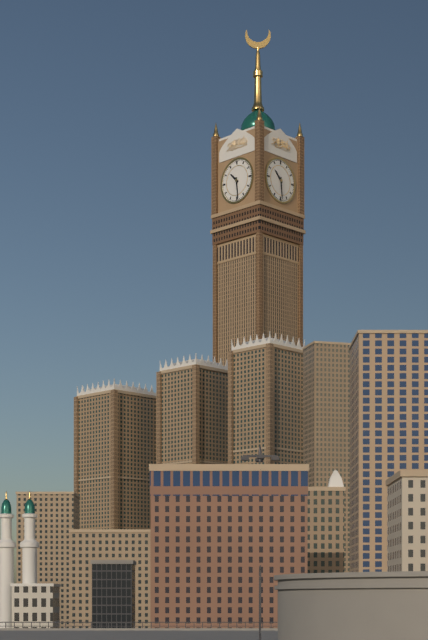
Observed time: 10.29
